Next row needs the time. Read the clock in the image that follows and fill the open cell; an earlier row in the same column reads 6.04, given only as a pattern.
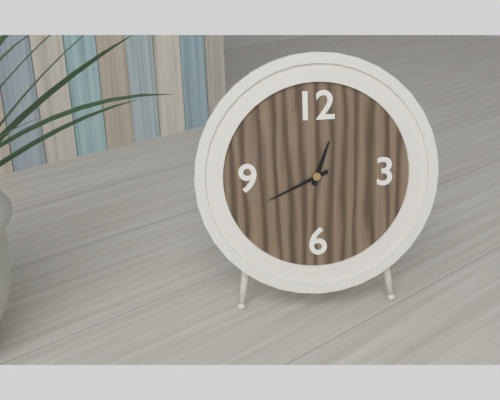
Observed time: 12.41
